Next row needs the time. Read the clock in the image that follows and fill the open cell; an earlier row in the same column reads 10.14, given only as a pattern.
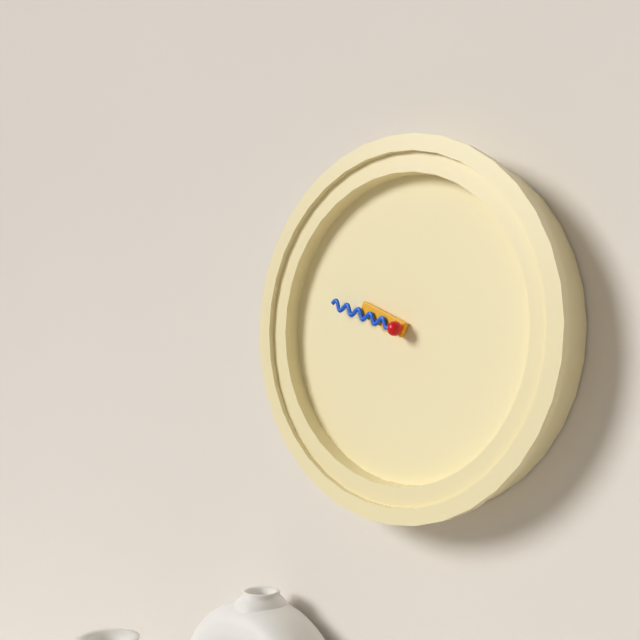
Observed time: 9.48
